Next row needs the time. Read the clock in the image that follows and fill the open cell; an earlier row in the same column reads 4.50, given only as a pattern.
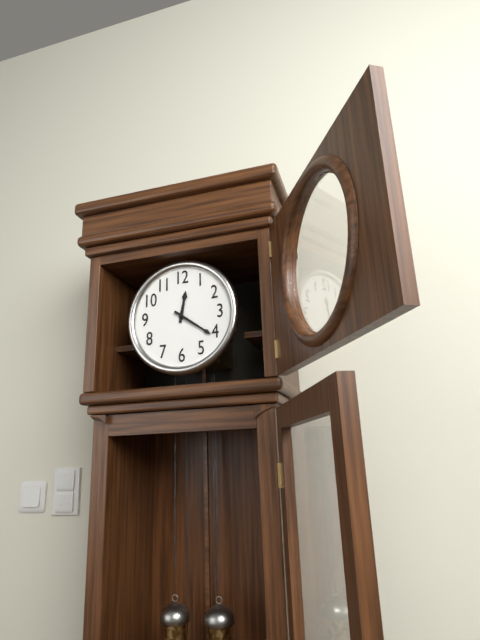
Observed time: 12.21
